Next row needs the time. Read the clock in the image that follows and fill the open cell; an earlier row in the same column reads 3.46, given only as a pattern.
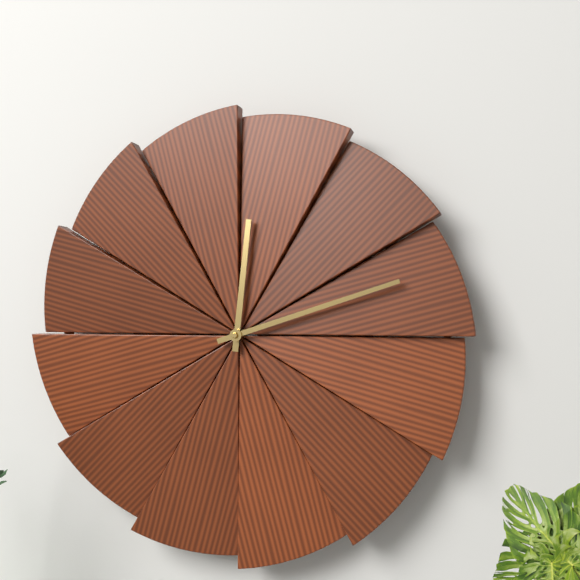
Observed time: 12.12
